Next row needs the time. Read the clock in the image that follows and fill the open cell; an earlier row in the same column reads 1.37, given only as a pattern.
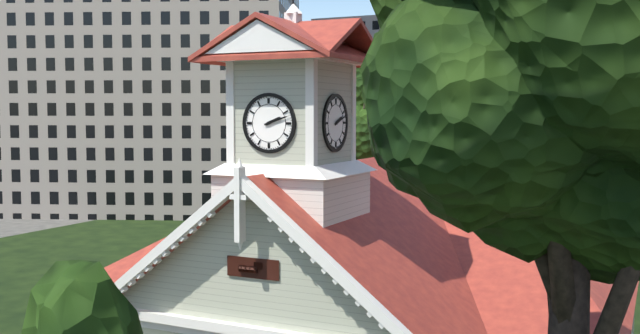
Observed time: 2.12
